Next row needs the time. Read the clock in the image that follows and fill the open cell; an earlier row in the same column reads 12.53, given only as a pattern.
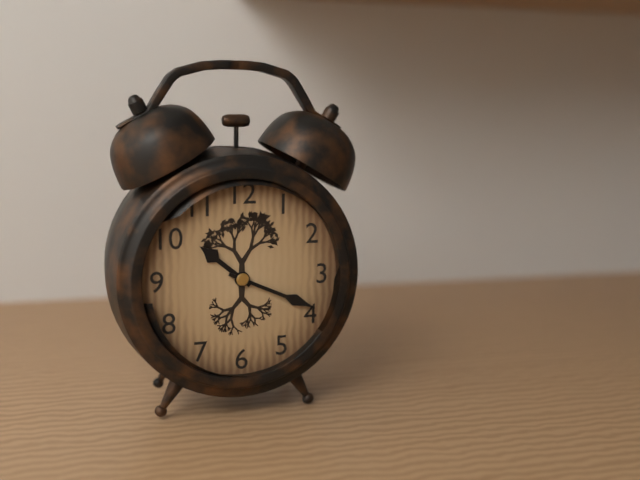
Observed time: 10.19
